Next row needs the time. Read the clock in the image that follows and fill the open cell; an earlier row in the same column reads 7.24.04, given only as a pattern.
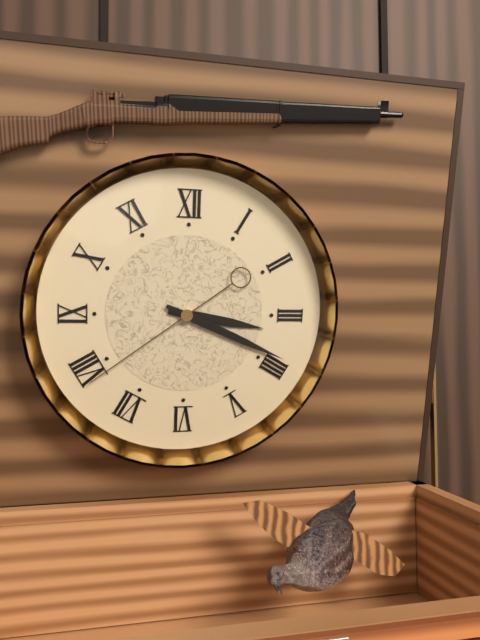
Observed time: 3.19.39
